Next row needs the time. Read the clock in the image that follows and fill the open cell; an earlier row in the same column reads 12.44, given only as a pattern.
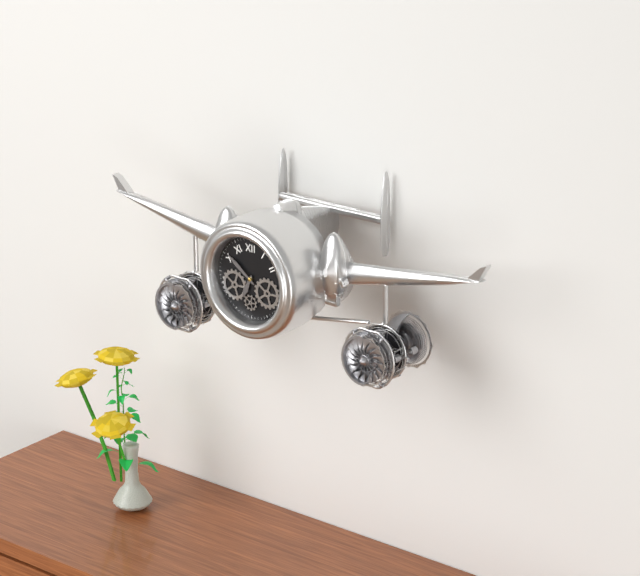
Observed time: 6.51
